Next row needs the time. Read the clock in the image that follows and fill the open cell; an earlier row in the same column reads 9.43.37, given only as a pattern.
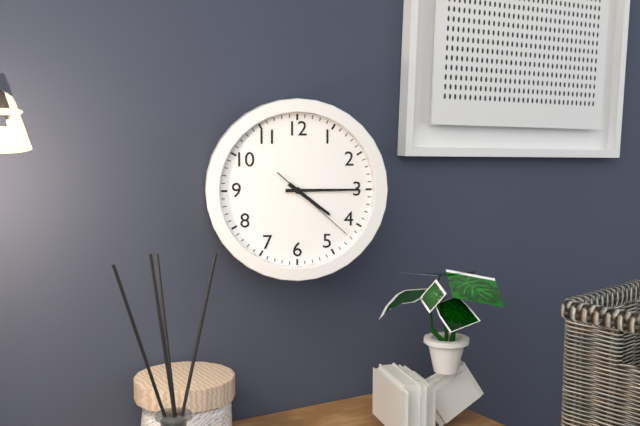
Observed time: 4.15.22
